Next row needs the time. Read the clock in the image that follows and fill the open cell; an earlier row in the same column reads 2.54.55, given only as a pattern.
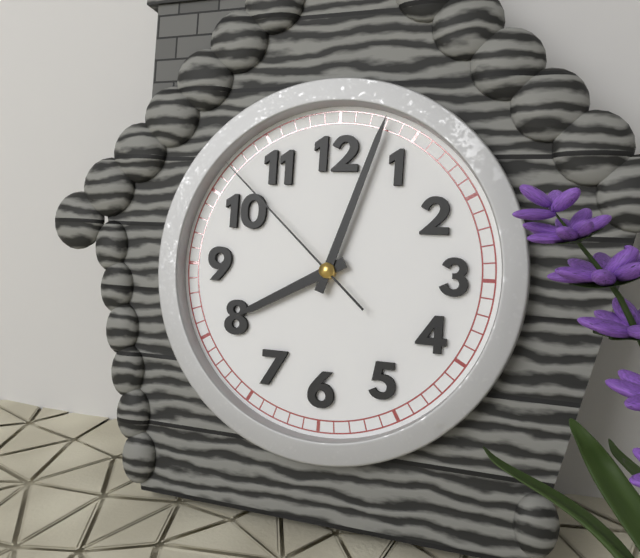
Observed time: 8.03.52
